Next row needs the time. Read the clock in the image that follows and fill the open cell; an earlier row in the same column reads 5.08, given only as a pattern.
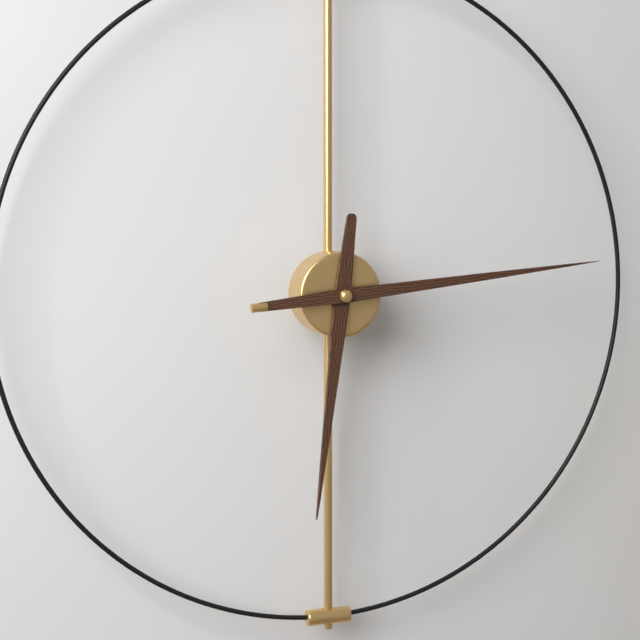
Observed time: 6.14
